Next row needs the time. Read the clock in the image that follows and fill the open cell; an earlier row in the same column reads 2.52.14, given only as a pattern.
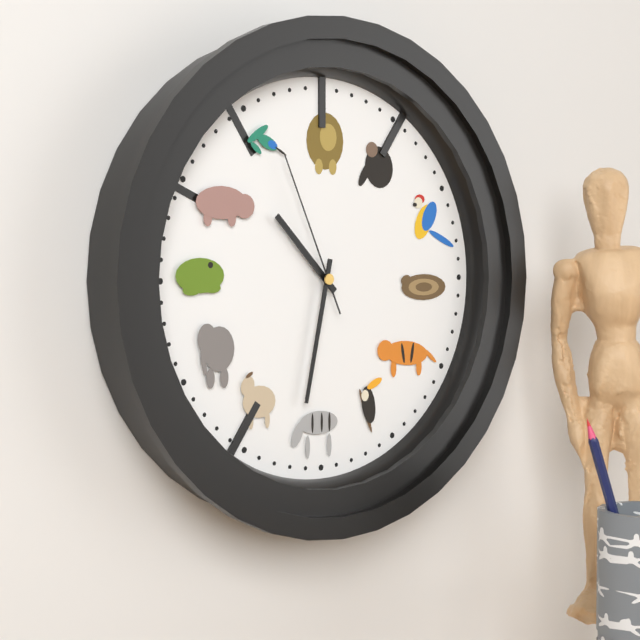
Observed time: 10.32.56
